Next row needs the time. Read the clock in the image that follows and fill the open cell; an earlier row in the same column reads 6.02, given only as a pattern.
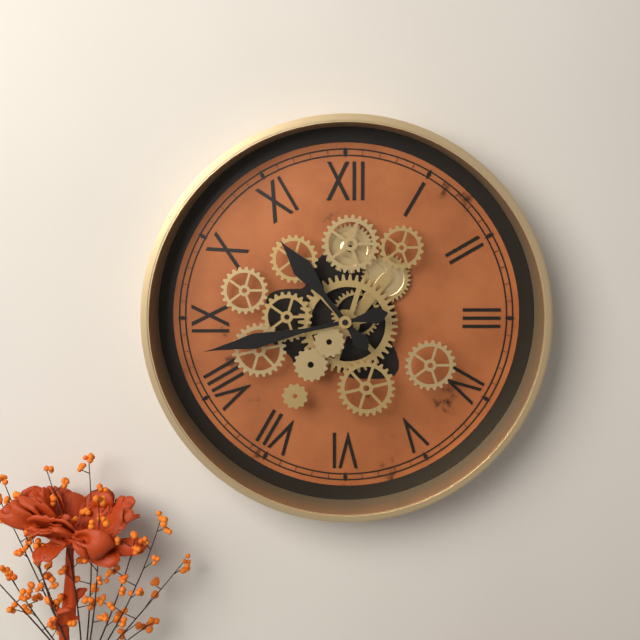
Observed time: 10.43
